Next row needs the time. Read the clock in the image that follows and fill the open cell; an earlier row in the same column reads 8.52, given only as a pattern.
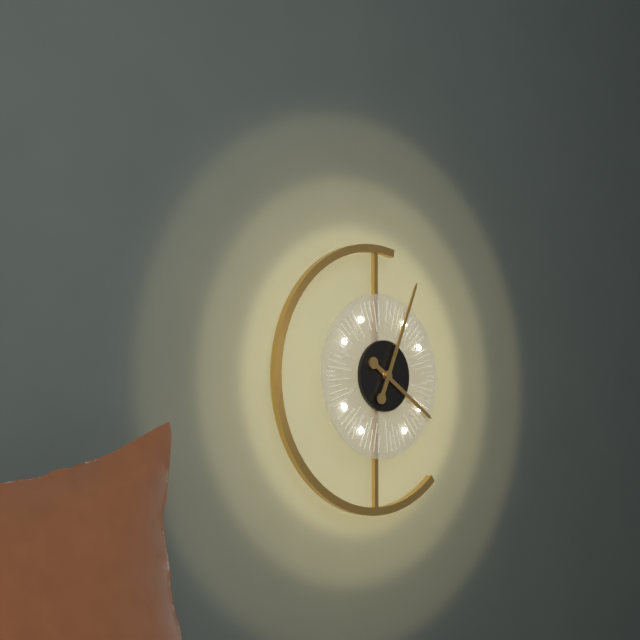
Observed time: 4.04
